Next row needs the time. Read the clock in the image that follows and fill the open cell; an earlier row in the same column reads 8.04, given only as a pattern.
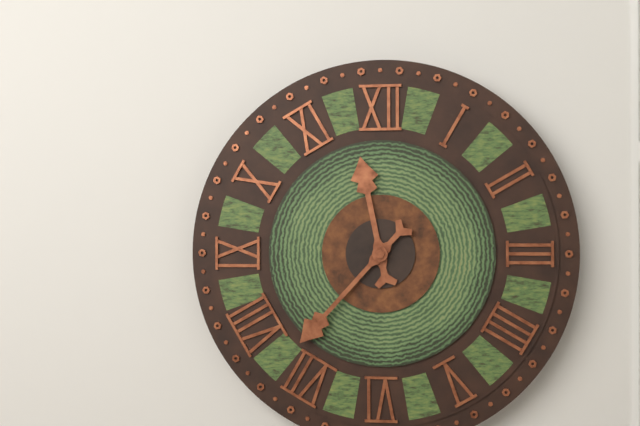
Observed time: 11.37
